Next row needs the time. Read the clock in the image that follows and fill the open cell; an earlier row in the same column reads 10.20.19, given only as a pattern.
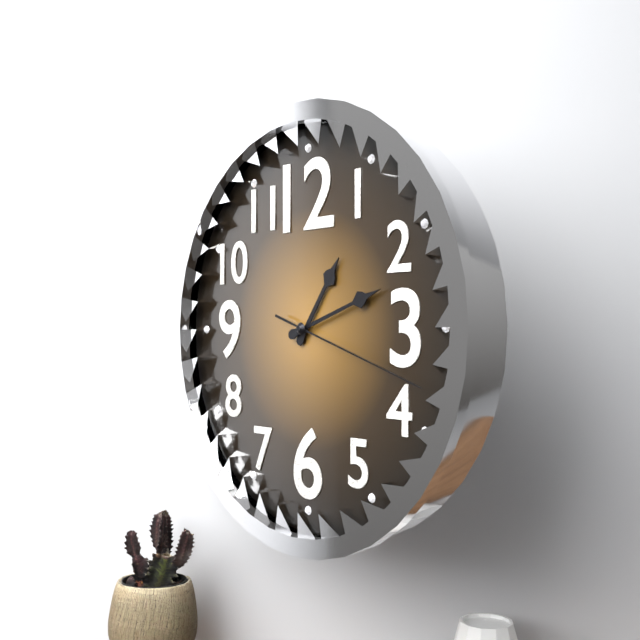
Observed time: 1.12.18
